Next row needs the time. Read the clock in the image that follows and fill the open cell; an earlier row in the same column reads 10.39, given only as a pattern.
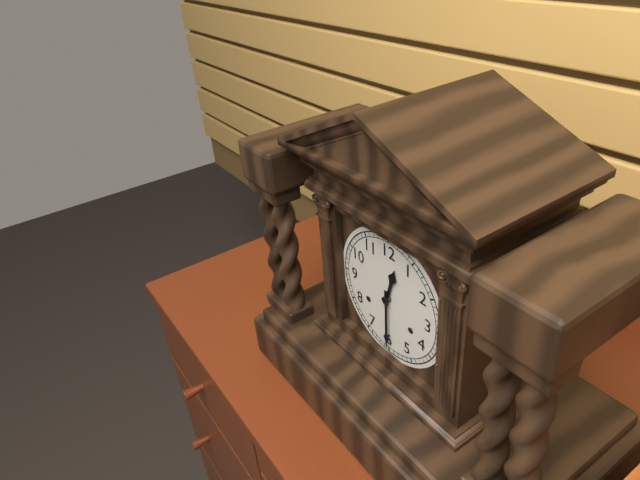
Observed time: 12.30
